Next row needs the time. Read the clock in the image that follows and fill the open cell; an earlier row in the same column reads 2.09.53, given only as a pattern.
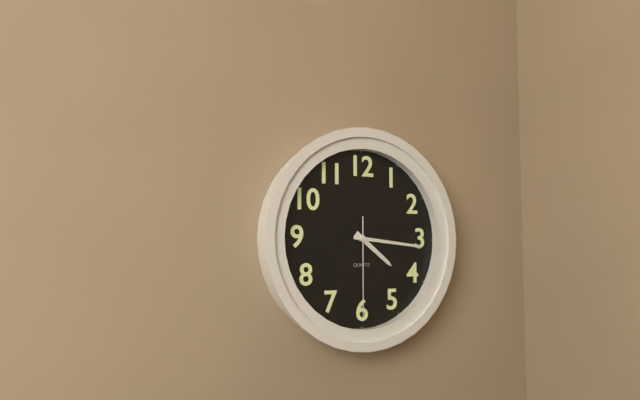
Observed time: 4.16.30
